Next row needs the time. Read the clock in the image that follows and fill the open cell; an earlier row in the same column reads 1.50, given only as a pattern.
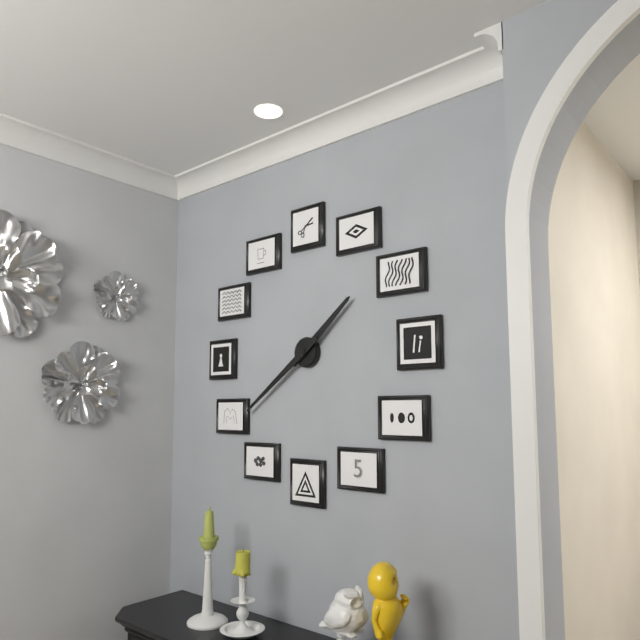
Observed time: 1.39
